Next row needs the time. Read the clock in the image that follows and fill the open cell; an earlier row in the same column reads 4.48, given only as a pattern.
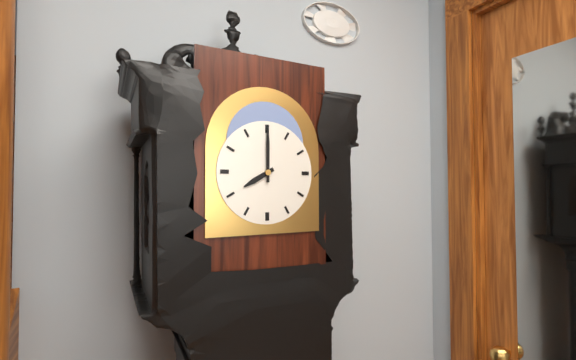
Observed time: 8.00
